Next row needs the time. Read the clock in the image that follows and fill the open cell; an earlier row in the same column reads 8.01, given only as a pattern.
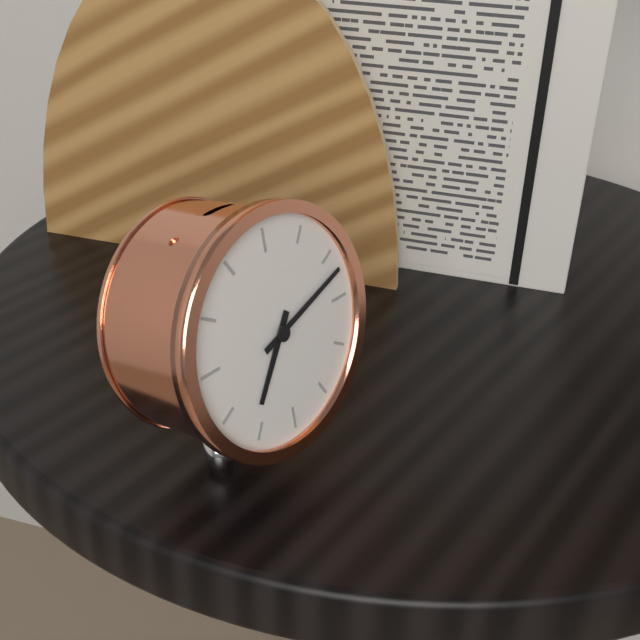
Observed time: 7.12
